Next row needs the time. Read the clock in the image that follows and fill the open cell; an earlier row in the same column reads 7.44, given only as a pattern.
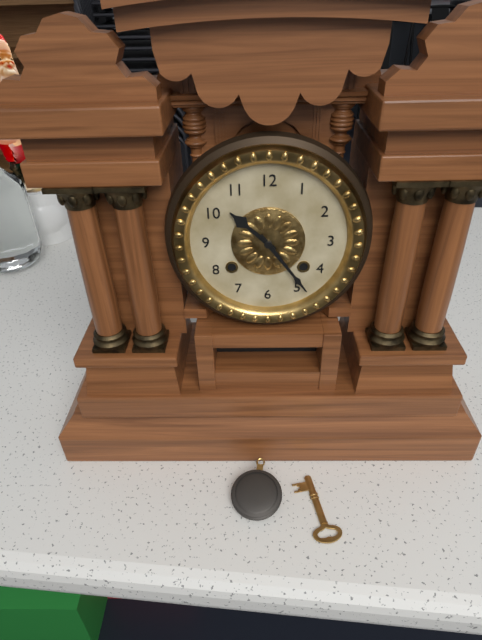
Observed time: 10.24
